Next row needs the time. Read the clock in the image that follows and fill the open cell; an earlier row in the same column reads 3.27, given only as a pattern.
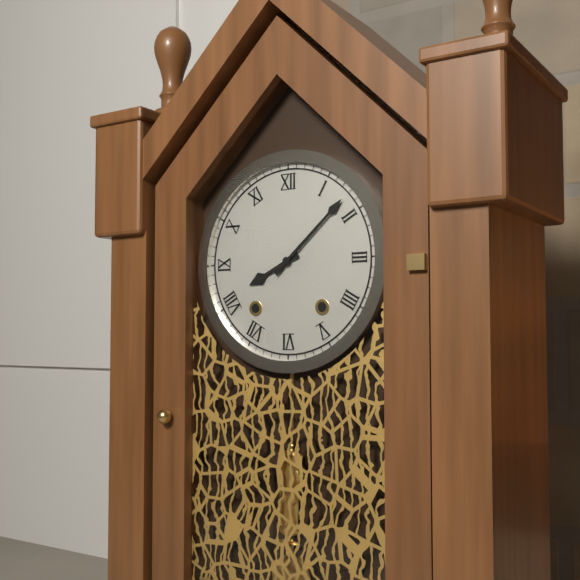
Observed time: 8.08
